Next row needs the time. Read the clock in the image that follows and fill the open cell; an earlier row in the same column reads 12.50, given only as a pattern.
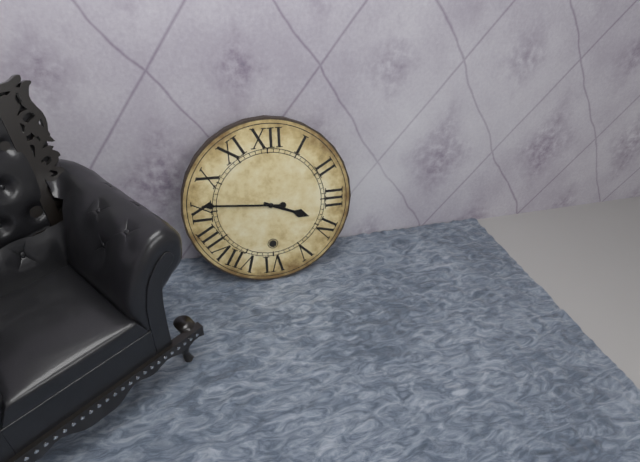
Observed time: 3.46
